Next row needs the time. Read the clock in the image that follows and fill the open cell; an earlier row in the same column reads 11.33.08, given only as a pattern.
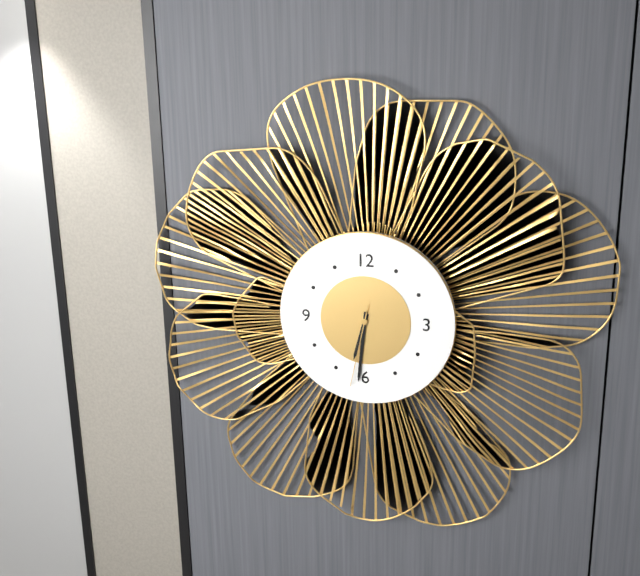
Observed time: 6.31.32
